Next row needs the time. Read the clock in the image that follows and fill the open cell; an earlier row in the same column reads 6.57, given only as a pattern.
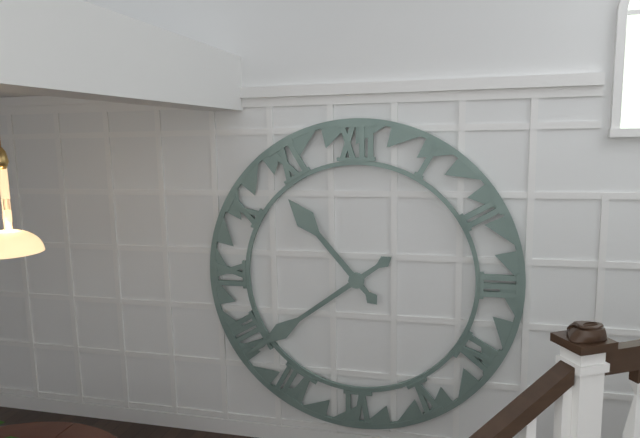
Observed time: 10.39
